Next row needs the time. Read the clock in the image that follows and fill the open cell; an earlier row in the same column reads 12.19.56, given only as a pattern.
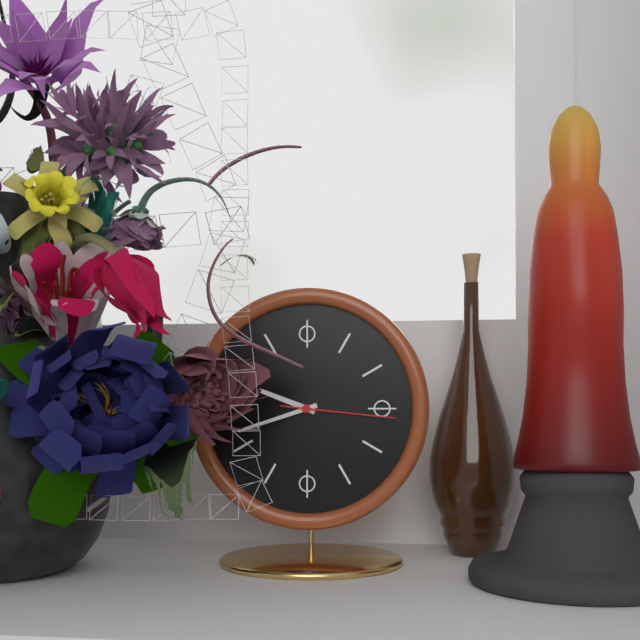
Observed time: 9.42.16
